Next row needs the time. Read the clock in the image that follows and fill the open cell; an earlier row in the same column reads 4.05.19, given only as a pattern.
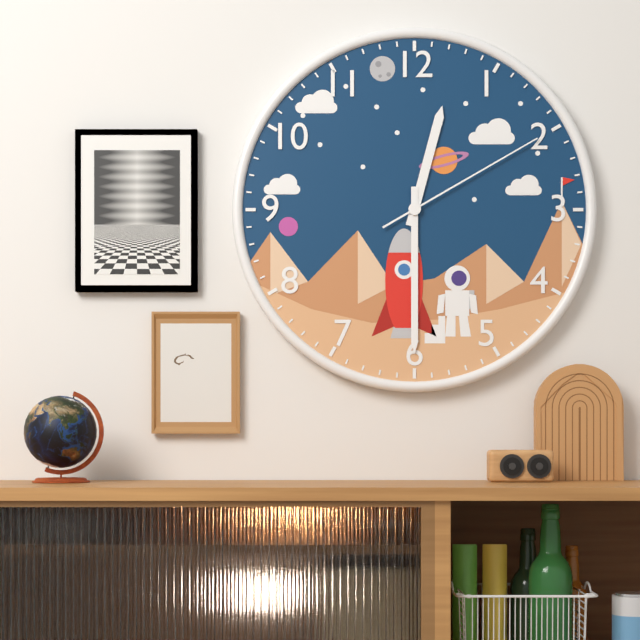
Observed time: 12.30.10
